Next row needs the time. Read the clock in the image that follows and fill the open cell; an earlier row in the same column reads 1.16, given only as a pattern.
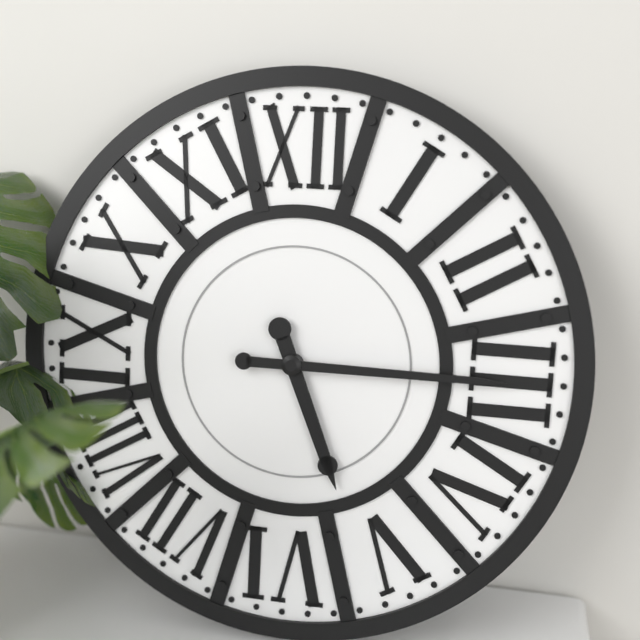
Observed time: 5.15
